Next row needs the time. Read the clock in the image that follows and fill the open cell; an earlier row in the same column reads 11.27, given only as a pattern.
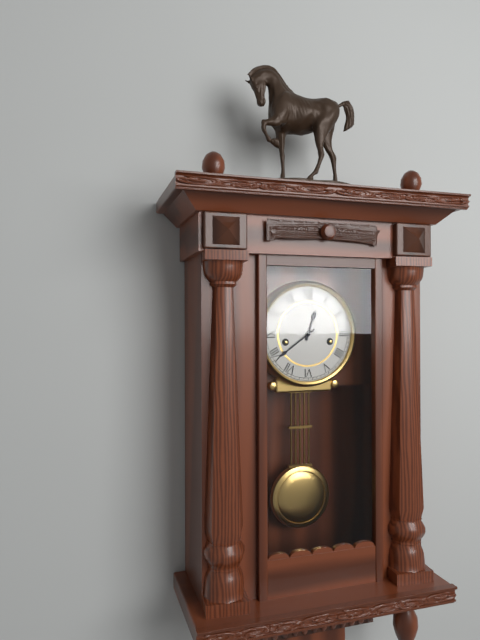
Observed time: 12.39
